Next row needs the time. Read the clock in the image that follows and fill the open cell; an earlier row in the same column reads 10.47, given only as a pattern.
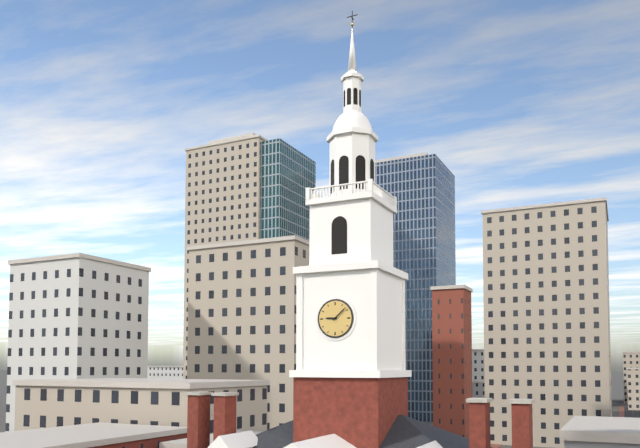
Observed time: 9.08
